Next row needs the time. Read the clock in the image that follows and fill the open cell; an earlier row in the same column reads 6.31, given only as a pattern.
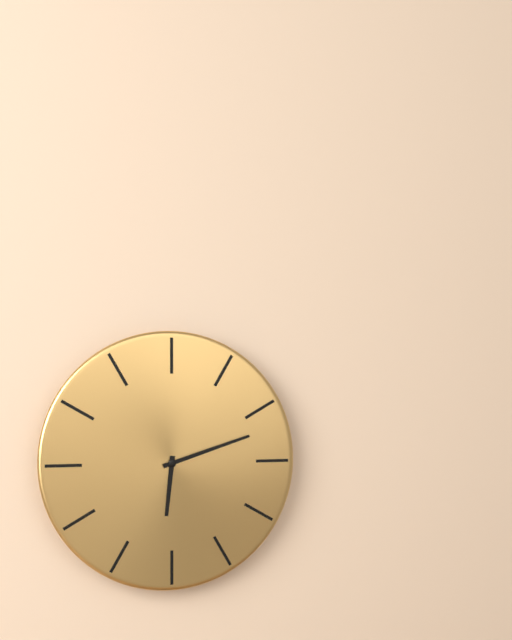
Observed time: 6.12
